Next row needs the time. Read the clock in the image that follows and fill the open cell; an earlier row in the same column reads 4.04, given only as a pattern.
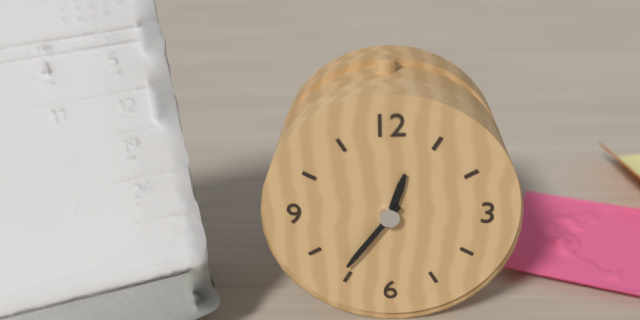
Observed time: 12.36
